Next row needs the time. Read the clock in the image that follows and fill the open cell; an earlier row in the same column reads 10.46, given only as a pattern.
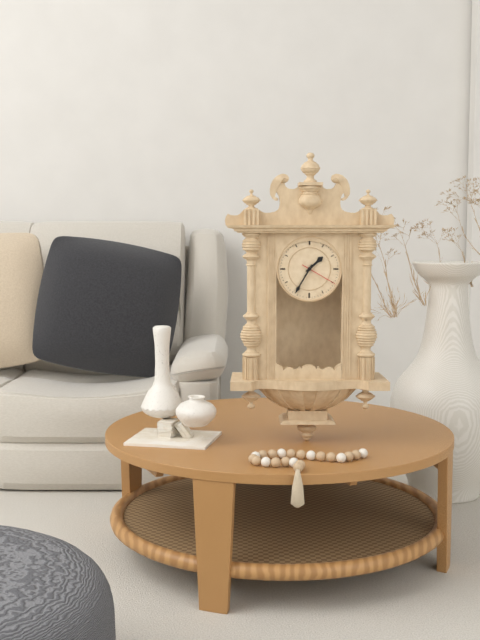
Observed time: 1.35
